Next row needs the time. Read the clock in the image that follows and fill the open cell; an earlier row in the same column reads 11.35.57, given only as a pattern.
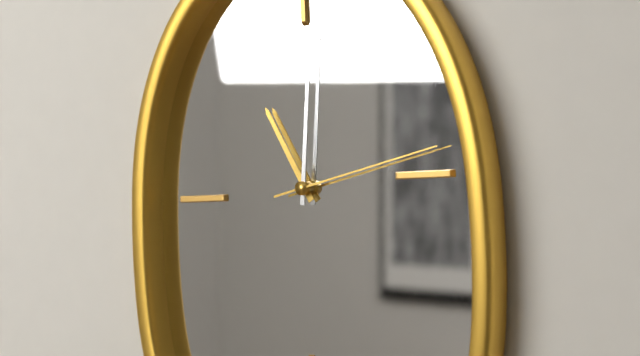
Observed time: 11.01.13
